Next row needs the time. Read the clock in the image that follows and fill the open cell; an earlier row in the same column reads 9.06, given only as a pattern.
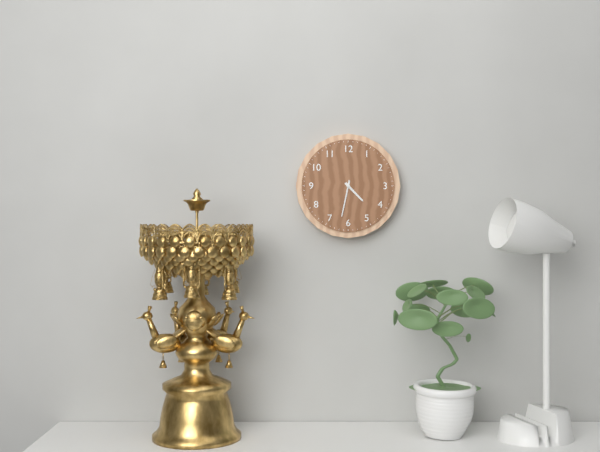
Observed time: 4.32
